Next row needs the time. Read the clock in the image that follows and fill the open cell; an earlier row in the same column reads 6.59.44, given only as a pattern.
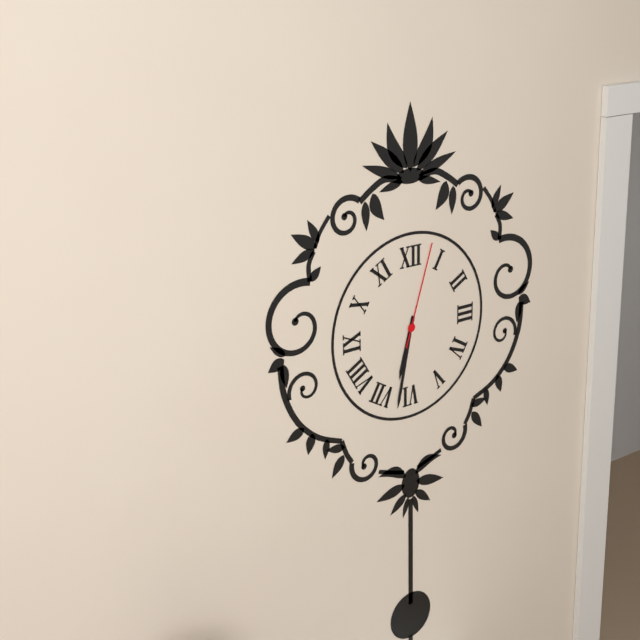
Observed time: 6.32.03
